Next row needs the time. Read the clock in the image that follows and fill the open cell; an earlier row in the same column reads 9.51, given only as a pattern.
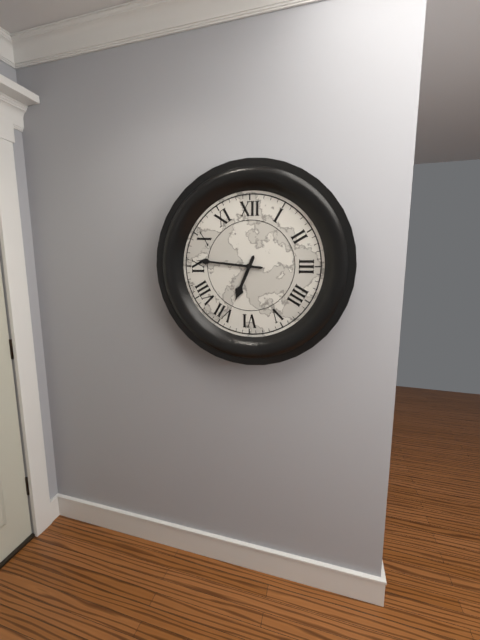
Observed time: 6.46
